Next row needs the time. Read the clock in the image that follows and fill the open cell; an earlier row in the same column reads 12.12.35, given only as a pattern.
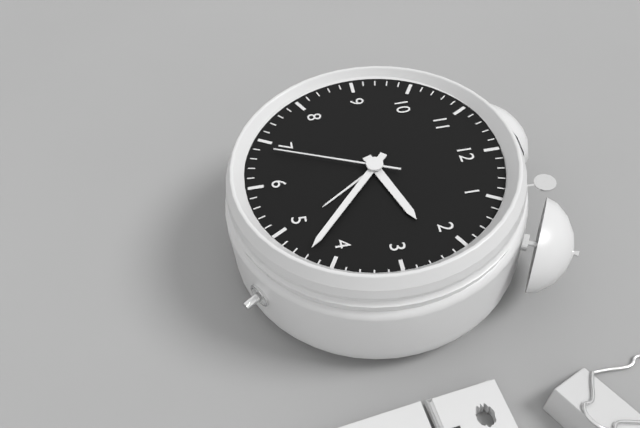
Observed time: 2.22.34
